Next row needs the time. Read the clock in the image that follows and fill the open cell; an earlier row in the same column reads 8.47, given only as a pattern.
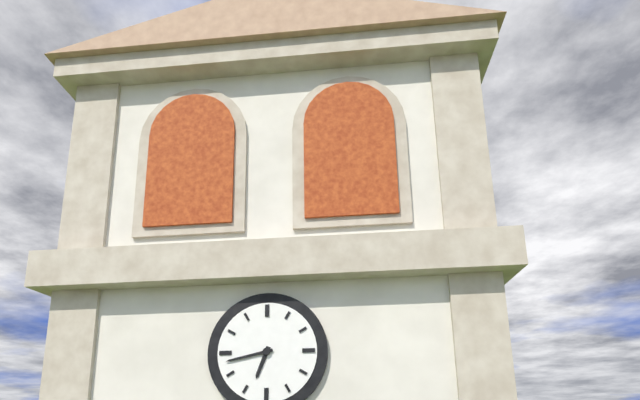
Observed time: 6.43
